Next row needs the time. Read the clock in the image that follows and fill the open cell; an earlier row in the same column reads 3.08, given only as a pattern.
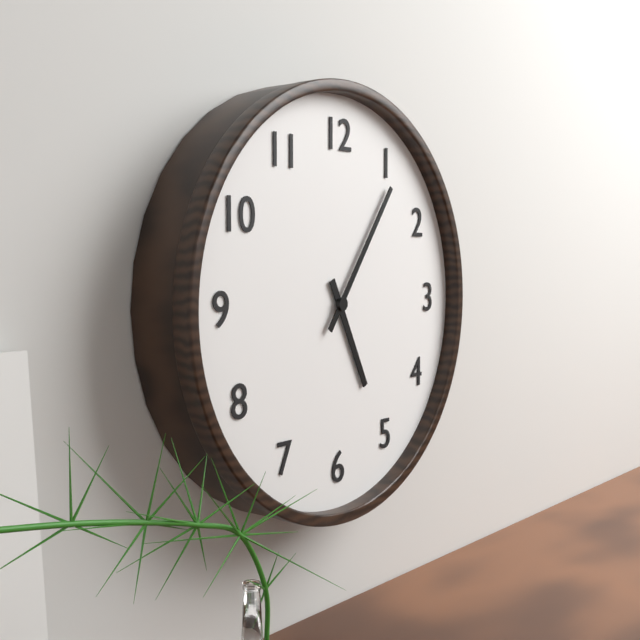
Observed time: 5.06
